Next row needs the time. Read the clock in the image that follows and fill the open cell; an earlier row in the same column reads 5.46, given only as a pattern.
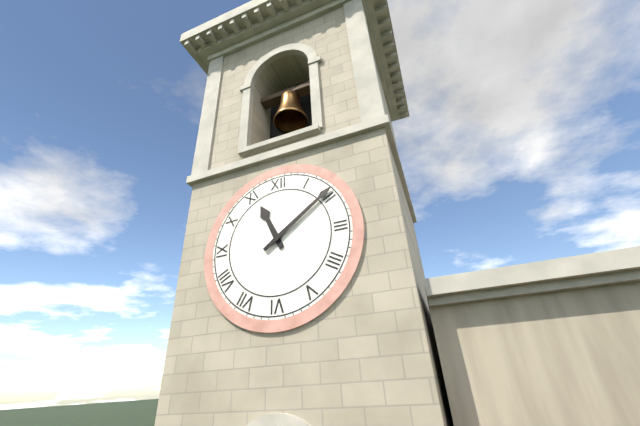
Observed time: 11.09
